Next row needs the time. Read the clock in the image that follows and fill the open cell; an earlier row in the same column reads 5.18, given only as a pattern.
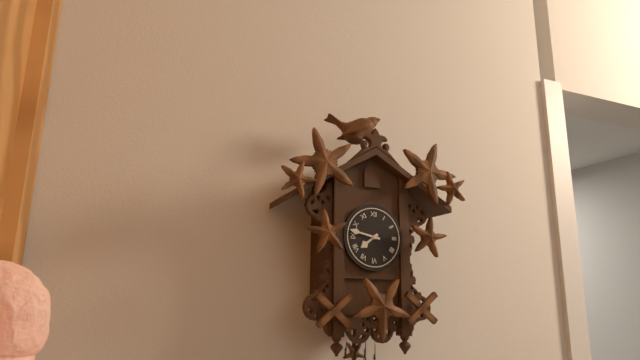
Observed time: 7.47
